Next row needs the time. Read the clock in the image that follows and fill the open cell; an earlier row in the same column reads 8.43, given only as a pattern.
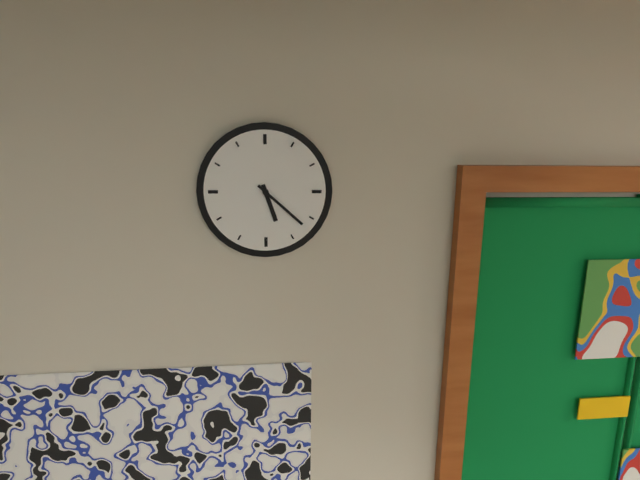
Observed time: 5.22
